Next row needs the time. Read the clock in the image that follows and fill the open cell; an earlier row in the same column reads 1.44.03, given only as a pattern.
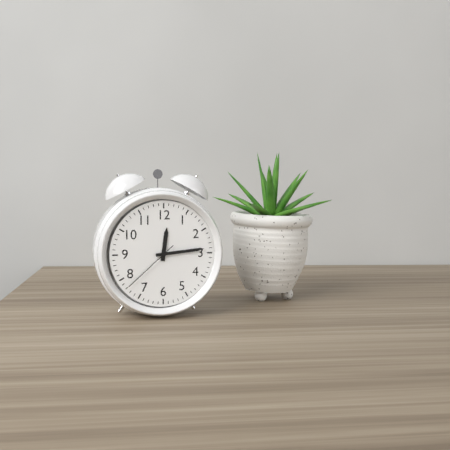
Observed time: 12.14.38
